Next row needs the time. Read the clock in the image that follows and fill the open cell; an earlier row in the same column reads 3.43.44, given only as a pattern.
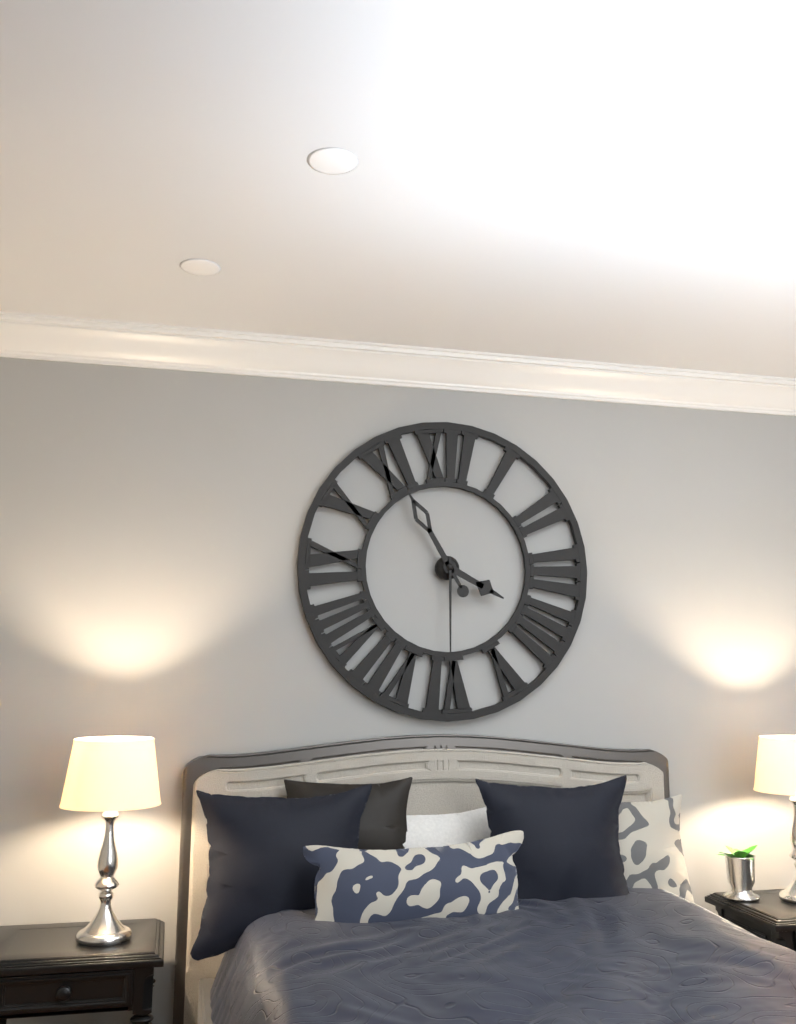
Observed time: 3.55.30
